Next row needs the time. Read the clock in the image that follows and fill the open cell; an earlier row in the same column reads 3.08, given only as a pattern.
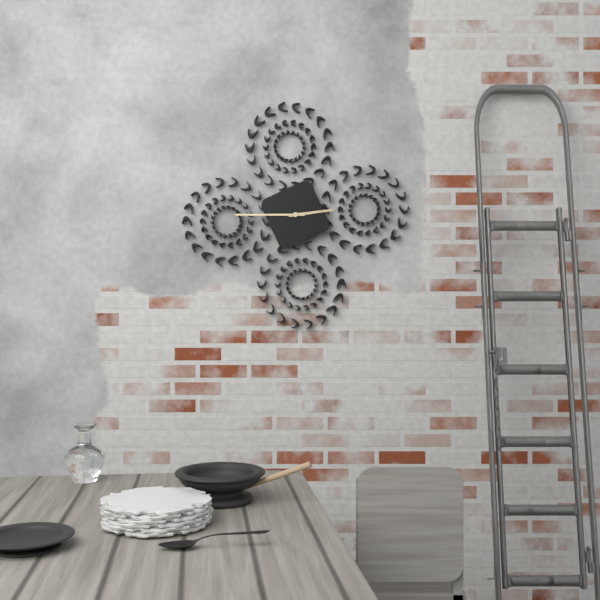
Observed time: 2.45
